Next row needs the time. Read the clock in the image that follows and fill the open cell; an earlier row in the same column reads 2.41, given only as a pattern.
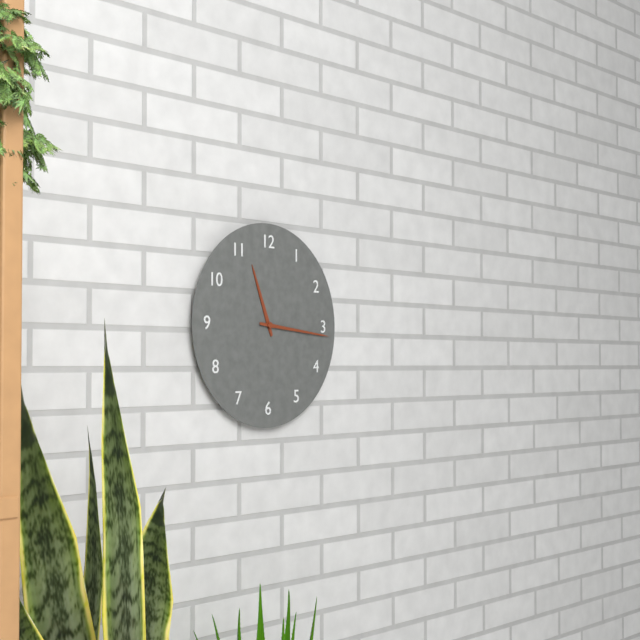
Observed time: 11.16
